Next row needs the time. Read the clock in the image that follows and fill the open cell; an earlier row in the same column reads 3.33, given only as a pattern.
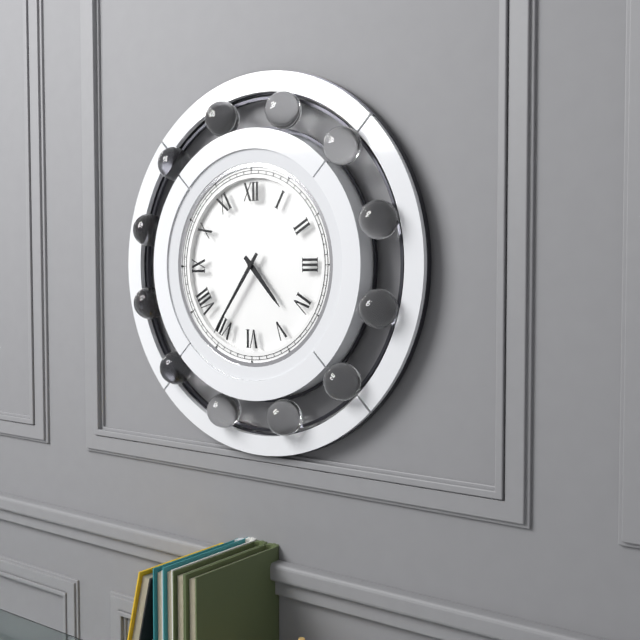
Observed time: 4.36
